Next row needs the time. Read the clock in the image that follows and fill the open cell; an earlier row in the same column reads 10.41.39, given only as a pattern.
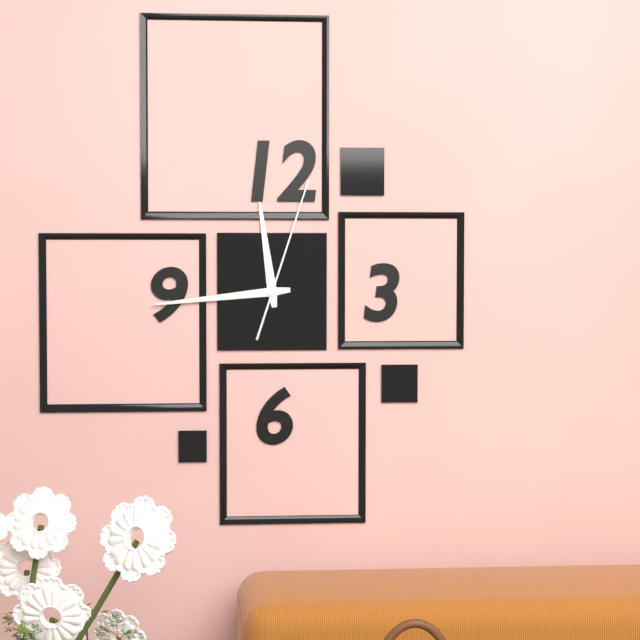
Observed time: 11.44.03
